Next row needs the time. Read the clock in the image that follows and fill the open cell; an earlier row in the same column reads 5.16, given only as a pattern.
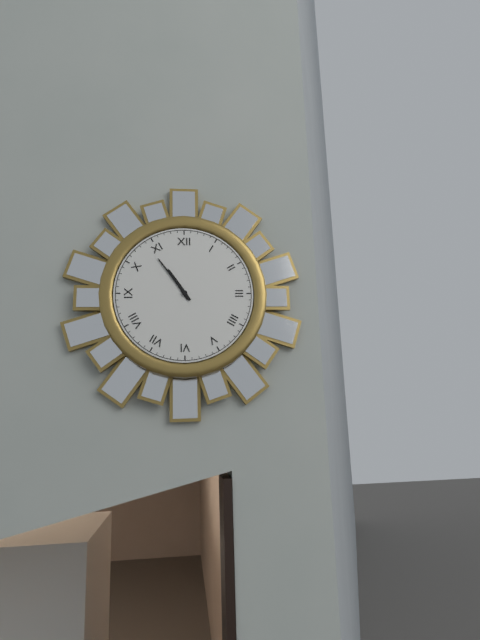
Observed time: 10.54
